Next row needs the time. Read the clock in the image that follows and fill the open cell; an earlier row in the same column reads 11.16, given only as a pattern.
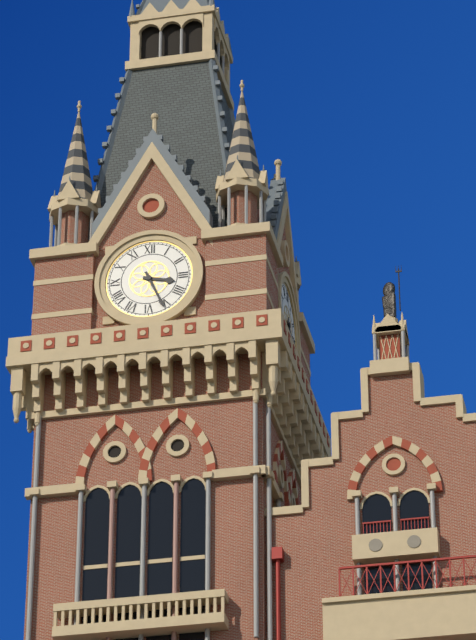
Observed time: 3.26
